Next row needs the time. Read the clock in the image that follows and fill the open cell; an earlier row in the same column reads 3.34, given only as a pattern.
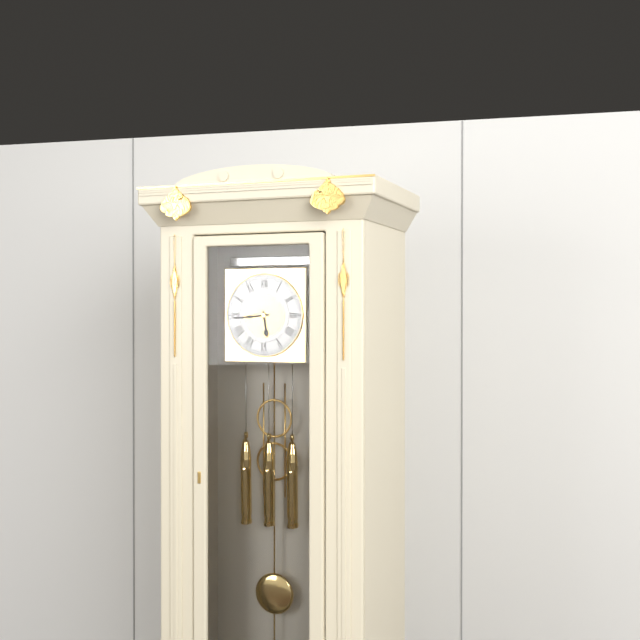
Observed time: 5.44
